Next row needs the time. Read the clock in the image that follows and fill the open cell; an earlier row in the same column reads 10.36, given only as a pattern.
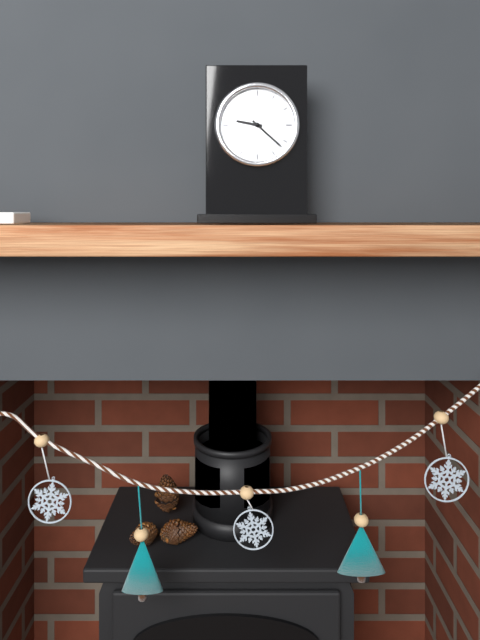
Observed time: 9.22
